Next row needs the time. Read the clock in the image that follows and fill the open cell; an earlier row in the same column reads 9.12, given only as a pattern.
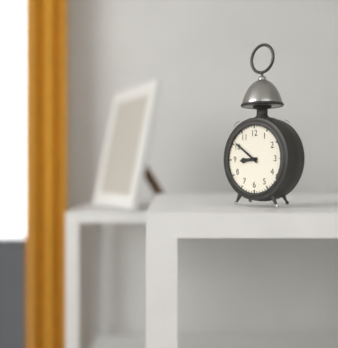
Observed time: 8.51
